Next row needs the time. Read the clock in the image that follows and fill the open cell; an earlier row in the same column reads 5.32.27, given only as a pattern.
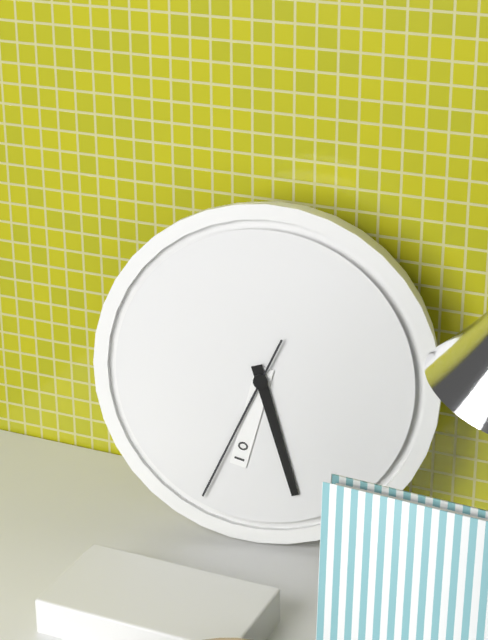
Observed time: 6.27.34
